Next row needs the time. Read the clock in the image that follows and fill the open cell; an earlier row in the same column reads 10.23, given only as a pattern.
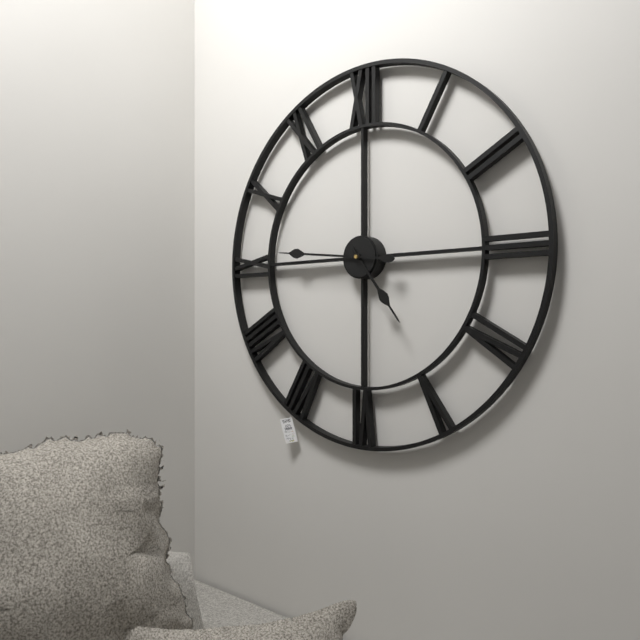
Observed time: 4.46
